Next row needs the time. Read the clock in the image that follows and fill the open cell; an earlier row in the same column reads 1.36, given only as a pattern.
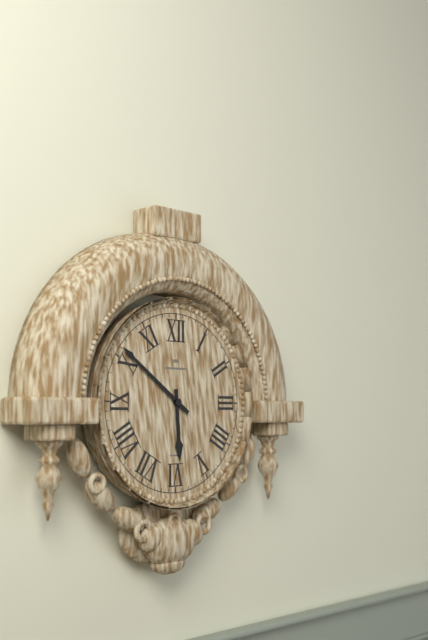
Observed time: 5.51
